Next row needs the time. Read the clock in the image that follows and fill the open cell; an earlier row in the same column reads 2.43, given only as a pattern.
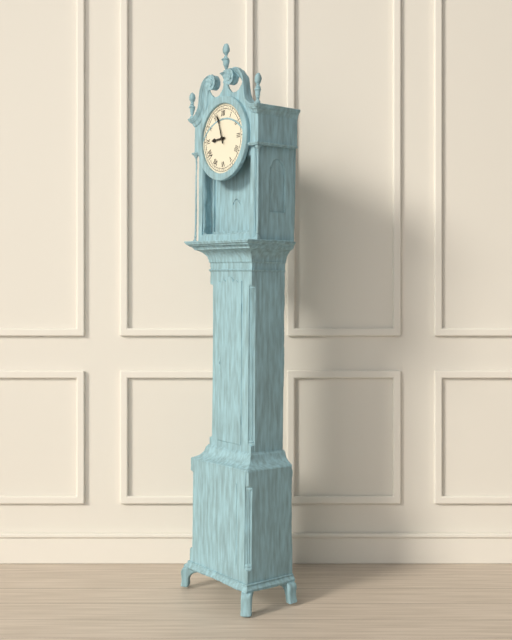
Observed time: 8.57
